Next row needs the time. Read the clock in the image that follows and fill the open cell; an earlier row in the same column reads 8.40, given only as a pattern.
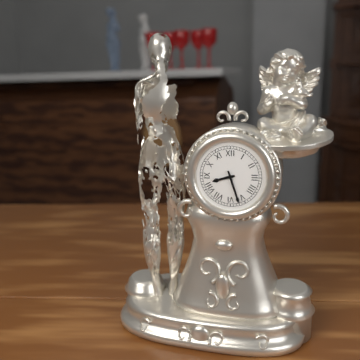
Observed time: 8.27
